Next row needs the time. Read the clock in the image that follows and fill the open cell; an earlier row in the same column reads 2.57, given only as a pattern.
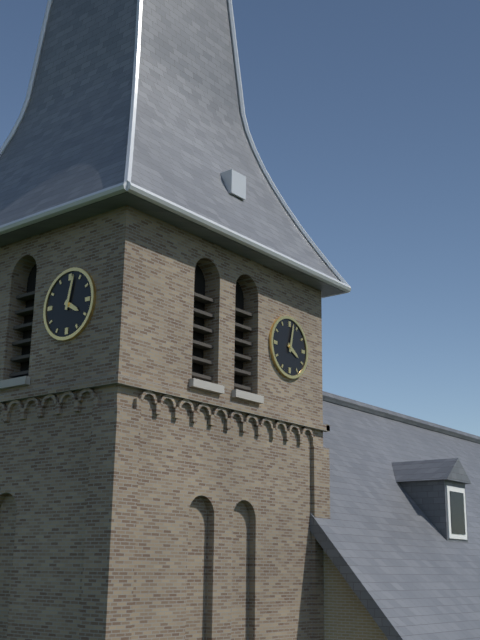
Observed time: 4.02
